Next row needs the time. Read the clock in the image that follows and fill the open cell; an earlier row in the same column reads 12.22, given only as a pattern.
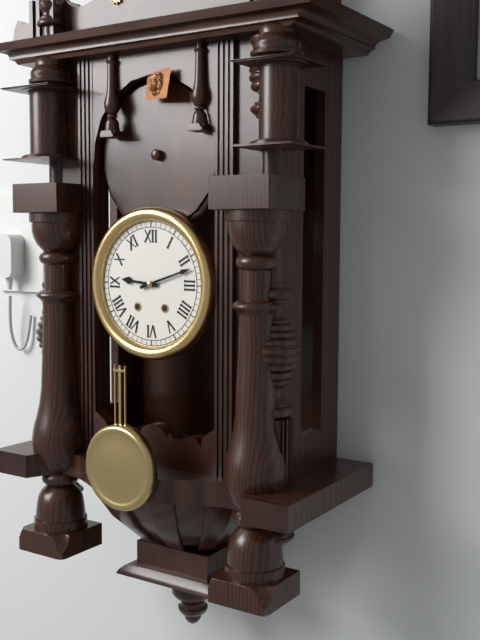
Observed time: 9.12
